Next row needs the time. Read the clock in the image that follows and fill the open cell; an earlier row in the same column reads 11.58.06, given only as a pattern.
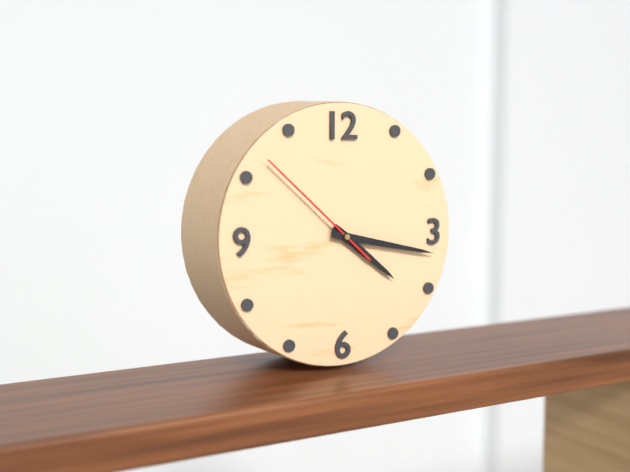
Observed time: 4.17.52
